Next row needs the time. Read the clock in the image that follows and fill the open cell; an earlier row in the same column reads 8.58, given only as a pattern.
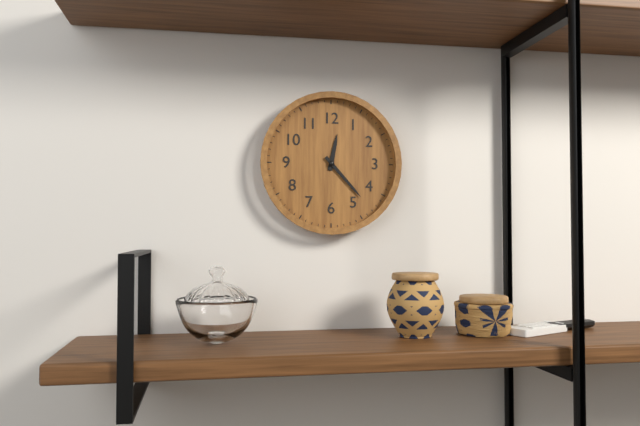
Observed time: 12.23
